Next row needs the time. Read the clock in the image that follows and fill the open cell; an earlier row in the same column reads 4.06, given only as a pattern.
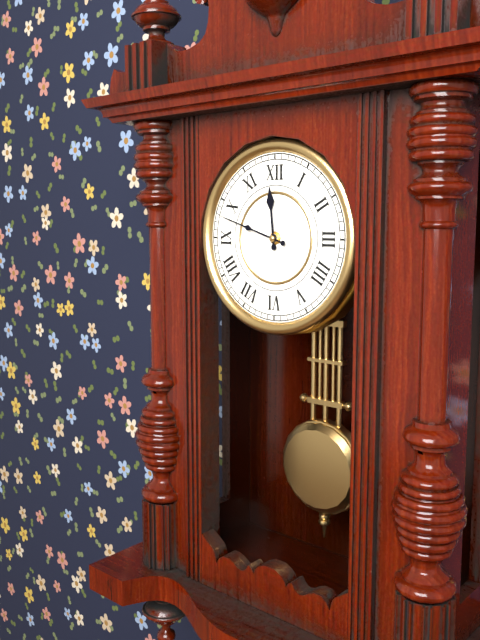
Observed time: 11.48
